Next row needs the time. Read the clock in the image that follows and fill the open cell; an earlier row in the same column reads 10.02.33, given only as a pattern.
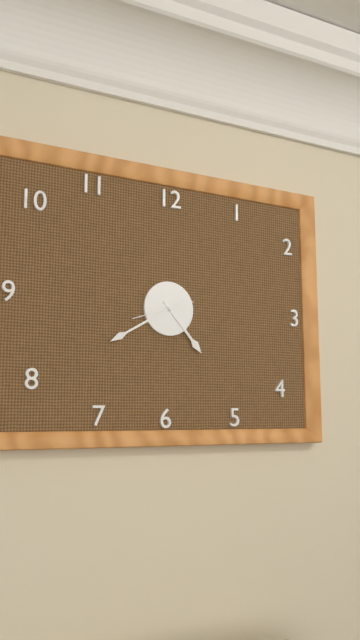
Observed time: 4.40.42
